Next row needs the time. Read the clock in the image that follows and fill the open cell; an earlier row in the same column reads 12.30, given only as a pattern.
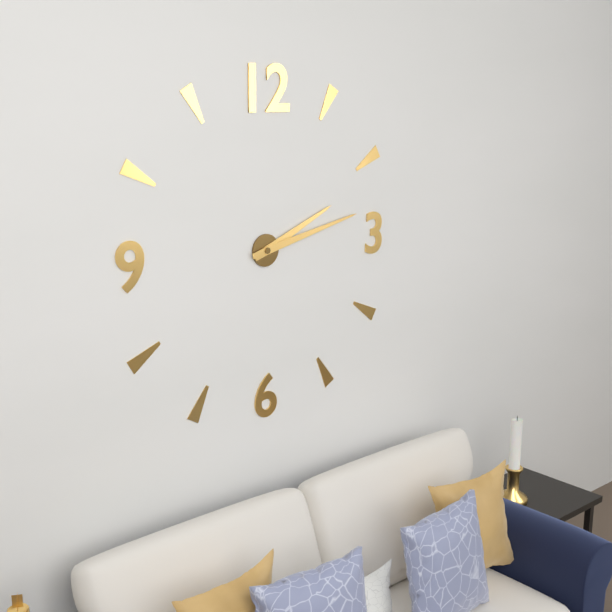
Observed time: 2.13
